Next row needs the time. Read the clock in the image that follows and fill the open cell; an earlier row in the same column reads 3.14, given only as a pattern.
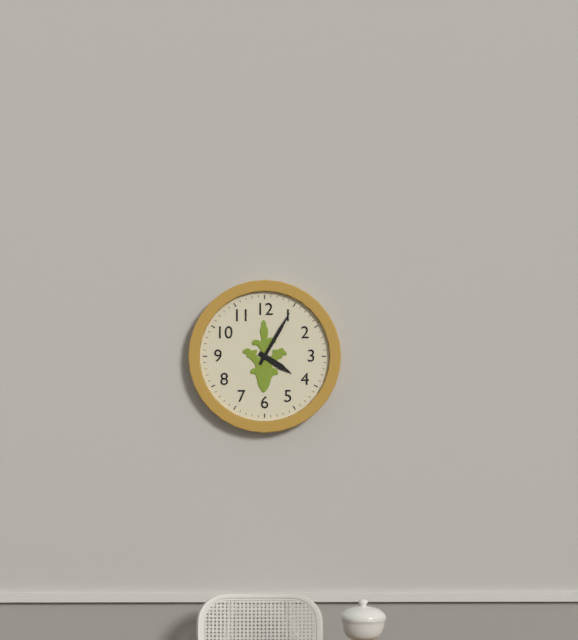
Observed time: 4.05
